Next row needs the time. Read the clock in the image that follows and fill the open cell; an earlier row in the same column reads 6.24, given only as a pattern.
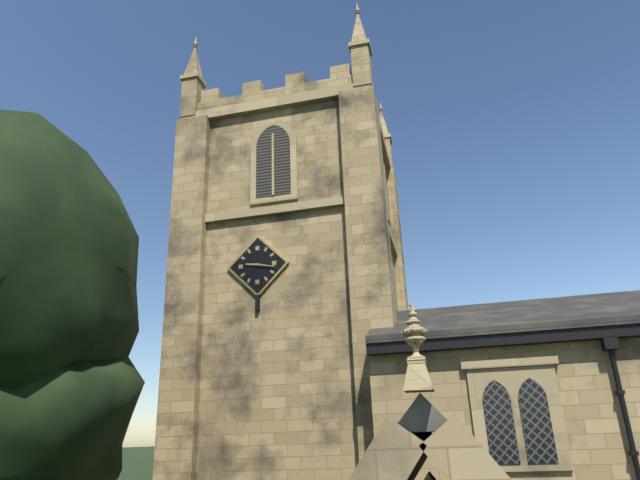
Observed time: 9.17
